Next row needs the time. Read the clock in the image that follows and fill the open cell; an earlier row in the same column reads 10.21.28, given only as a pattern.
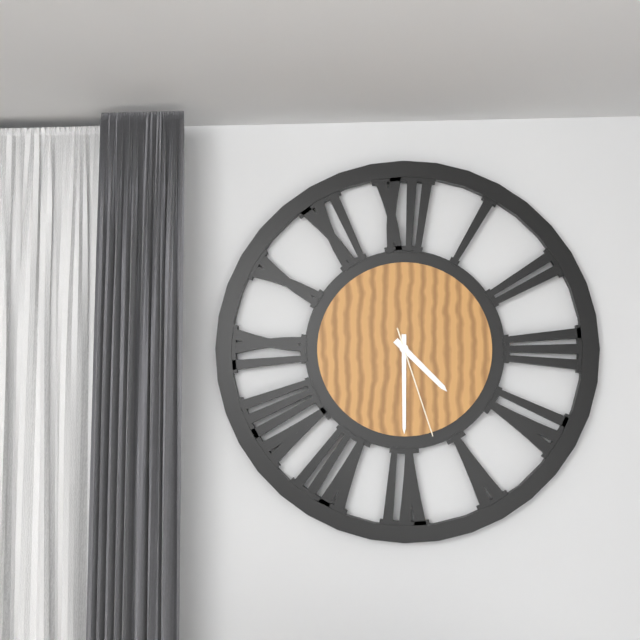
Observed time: 4.30.27
